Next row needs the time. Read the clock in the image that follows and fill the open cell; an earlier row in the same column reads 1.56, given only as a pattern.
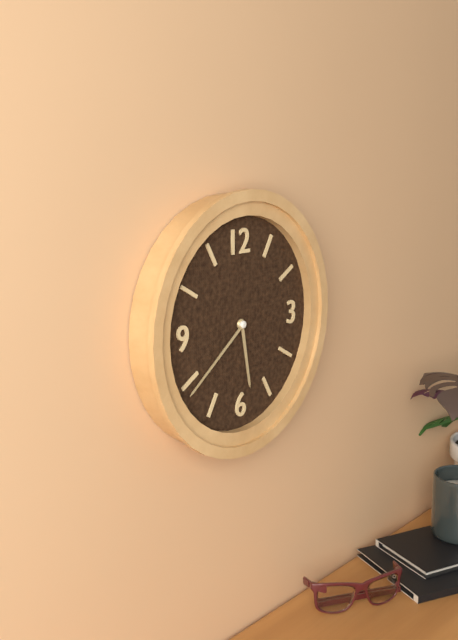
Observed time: 5.39
